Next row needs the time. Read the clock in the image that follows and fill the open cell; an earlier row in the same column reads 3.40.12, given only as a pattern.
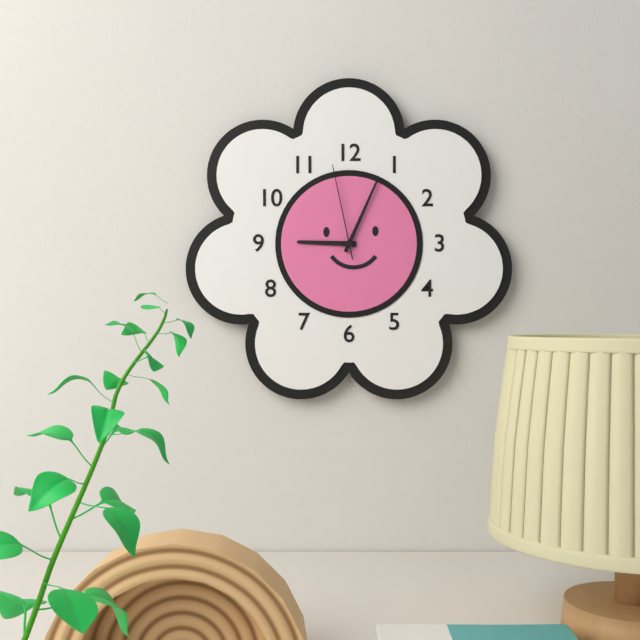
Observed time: 9.04.58
